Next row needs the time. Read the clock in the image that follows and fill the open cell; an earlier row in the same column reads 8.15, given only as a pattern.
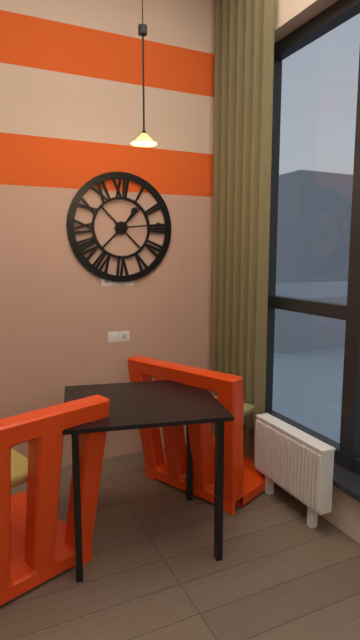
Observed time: 1.14
